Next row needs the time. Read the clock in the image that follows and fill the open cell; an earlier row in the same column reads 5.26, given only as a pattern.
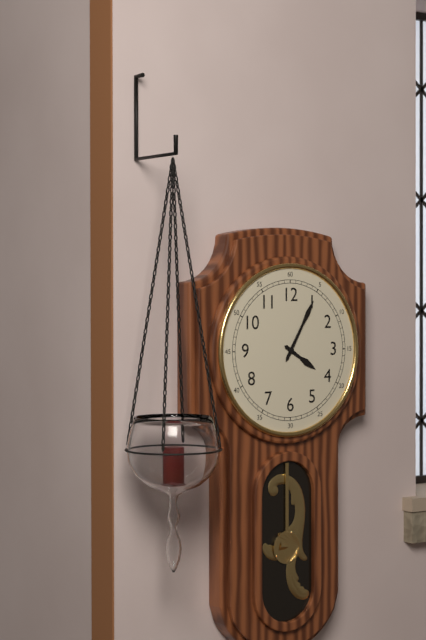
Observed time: 4.05
